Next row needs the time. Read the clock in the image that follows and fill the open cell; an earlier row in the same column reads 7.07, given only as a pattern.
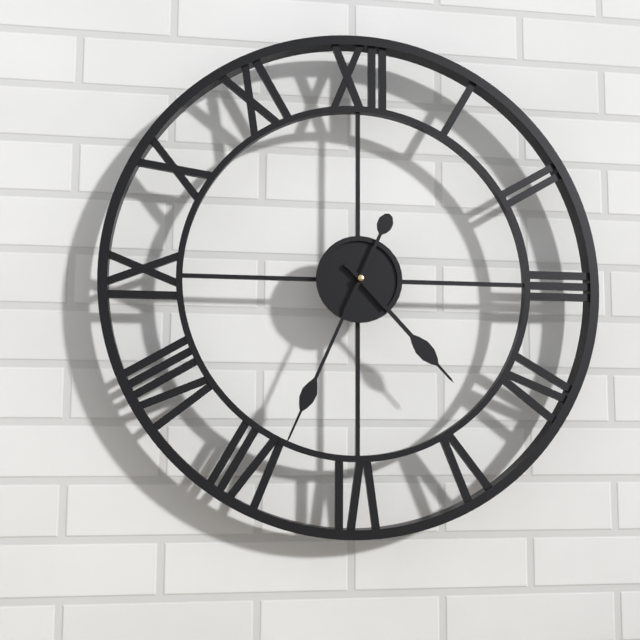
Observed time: 4.34
